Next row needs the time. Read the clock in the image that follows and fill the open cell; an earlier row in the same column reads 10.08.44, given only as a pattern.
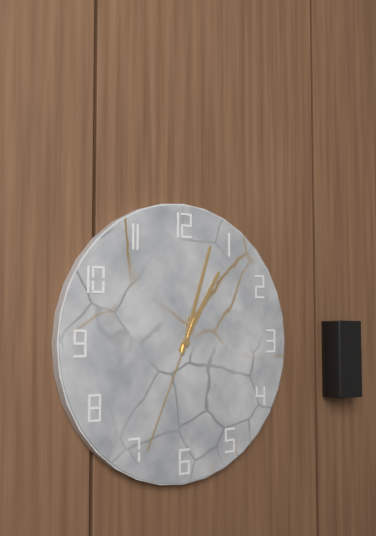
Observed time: 1.03.34
